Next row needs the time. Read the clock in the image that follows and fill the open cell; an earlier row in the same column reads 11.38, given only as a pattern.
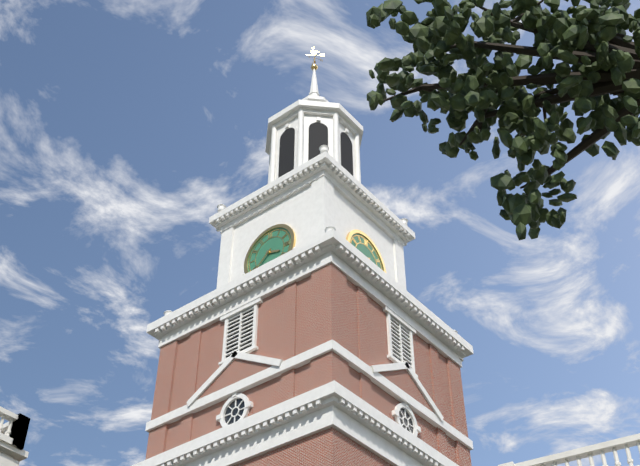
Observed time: 3.38
